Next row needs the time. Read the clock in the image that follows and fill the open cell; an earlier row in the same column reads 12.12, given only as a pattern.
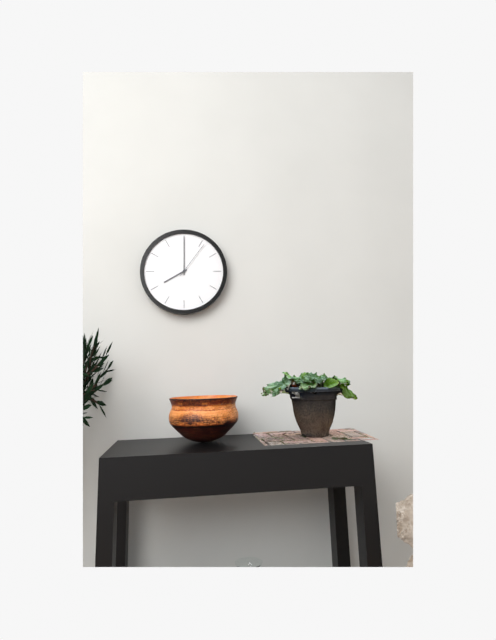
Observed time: 8.00
